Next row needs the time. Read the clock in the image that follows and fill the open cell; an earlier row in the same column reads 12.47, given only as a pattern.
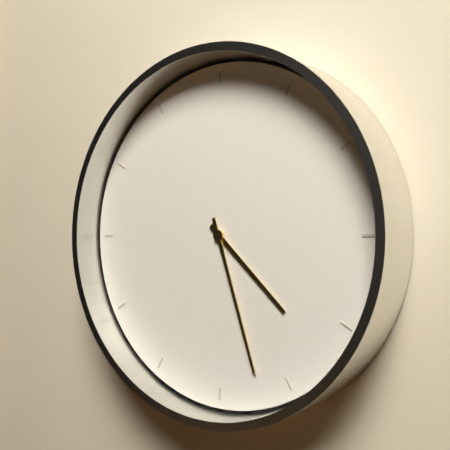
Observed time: 4.27
